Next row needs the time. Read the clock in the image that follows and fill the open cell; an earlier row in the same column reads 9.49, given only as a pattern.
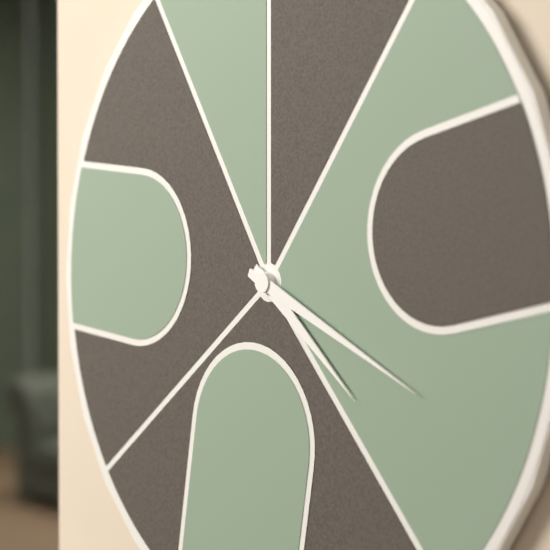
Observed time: 4.19
